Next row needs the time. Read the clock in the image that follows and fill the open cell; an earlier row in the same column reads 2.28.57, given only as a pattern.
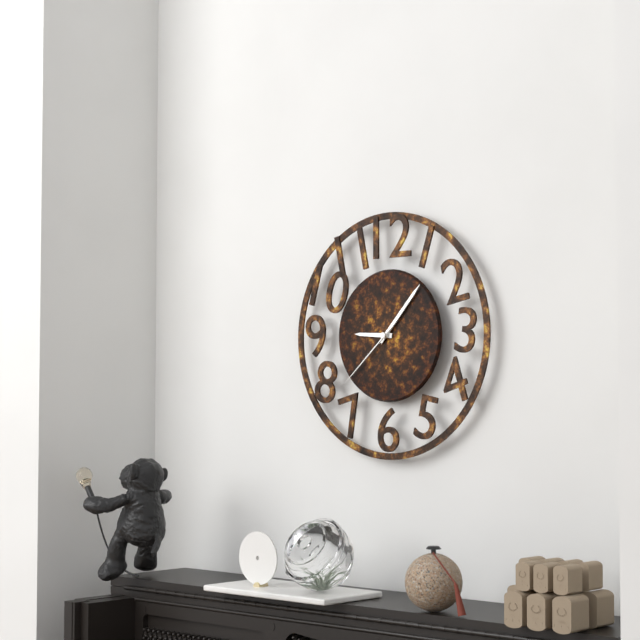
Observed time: 9.07.38
